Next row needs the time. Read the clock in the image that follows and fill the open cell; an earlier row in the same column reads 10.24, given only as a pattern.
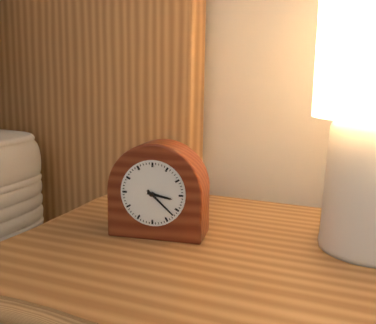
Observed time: 3.22
